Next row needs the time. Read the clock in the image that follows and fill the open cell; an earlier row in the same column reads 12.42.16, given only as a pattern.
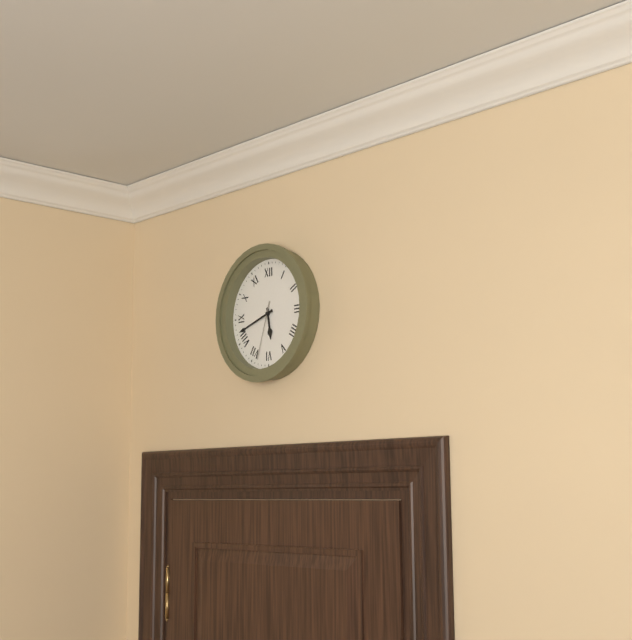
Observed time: 5.42.33
